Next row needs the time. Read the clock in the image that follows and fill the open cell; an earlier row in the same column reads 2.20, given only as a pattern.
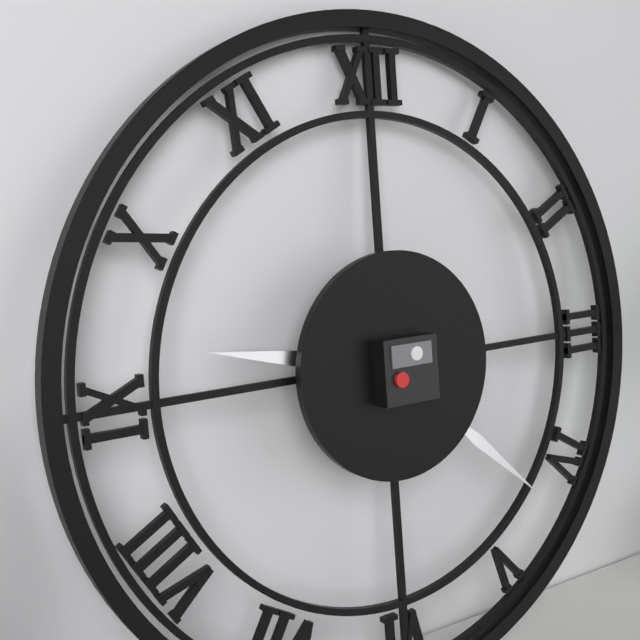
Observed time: 9.22
